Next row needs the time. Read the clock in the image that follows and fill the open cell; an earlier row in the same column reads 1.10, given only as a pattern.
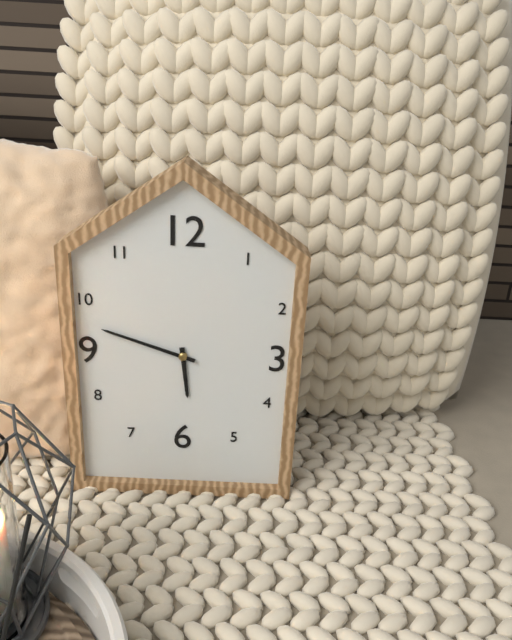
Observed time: 5.48
